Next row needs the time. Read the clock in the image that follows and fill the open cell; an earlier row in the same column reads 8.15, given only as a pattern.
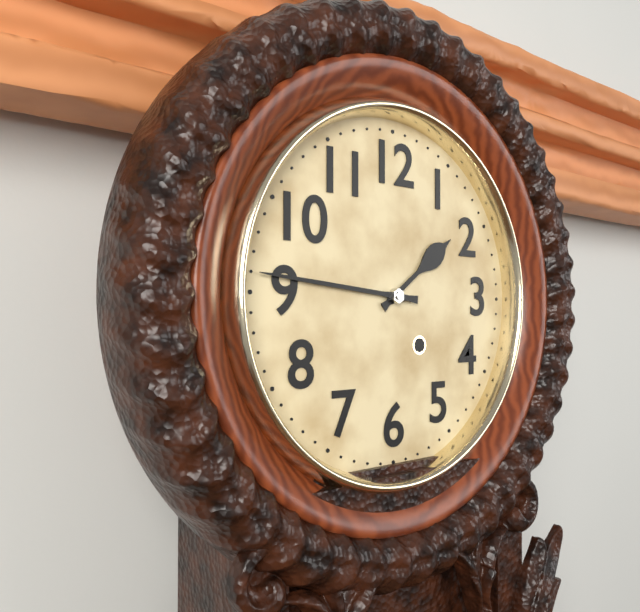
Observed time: 1.46
